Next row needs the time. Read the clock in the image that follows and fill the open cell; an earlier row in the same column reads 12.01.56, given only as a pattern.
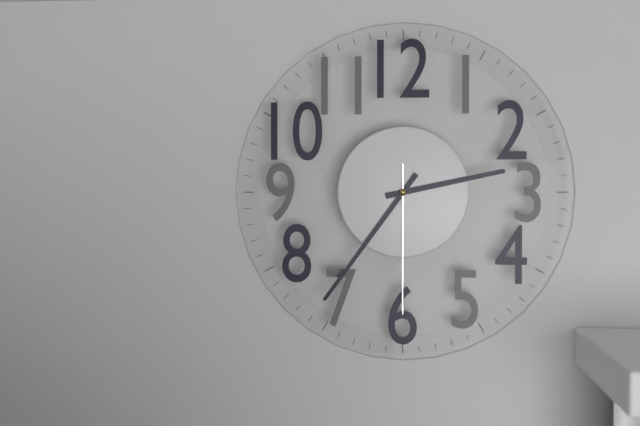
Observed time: 2.36.30
